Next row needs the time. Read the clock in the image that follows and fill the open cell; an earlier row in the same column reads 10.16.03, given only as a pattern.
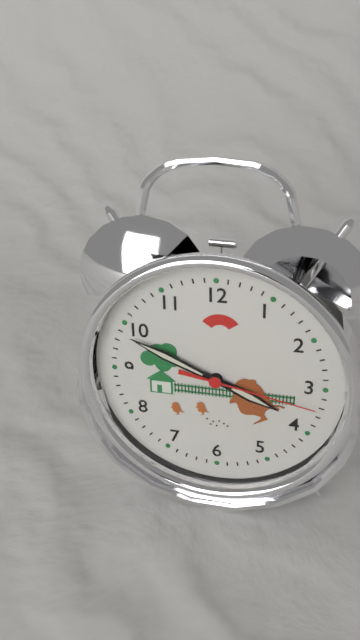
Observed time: 3.49.17
